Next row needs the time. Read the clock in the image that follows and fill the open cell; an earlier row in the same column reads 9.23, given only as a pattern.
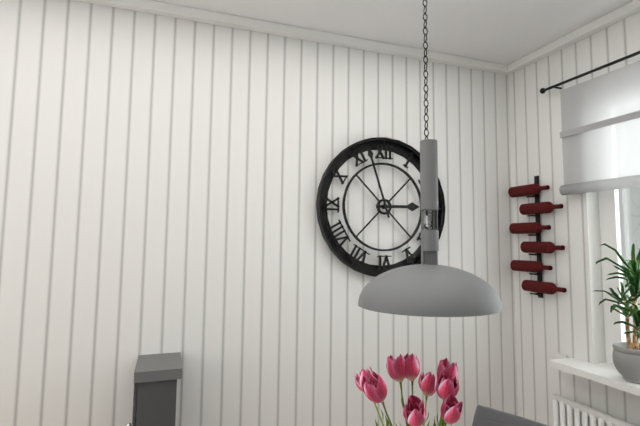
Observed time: 2.57
